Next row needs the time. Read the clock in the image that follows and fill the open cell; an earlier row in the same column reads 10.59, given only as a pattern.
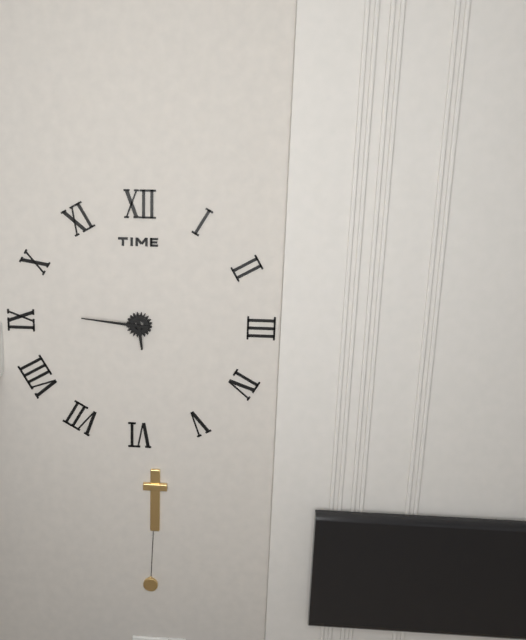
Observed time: 5.46
